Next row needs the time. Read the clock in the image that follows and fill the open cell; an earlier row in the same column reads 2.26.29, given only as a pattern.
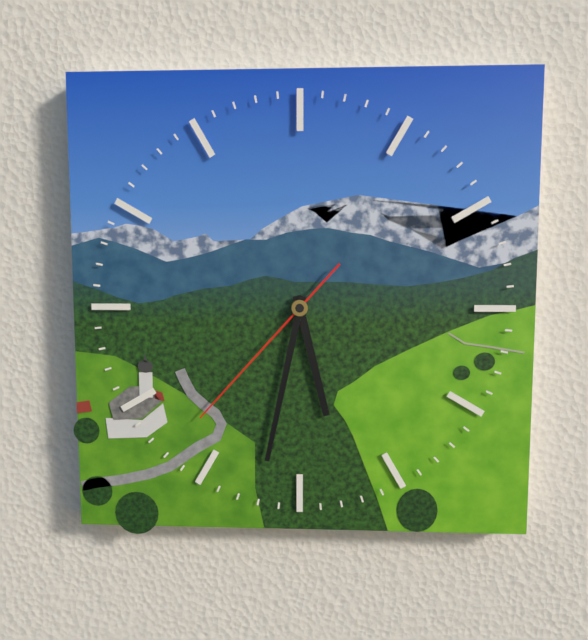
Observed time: 5.32.37
